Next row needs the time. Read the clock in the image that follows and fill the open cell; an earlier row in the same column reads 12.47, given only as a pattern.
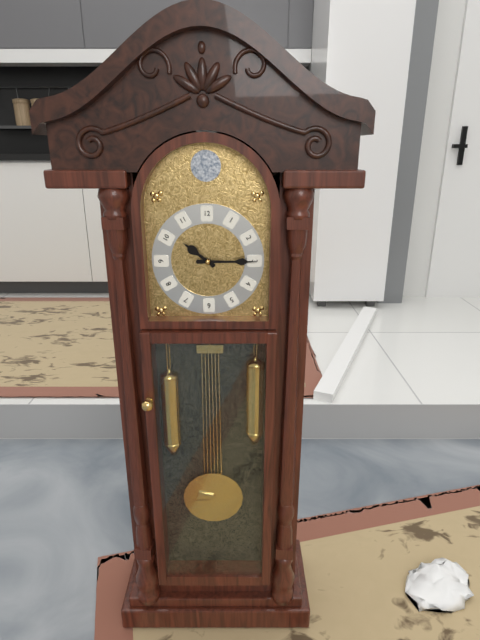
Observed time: 10.15
